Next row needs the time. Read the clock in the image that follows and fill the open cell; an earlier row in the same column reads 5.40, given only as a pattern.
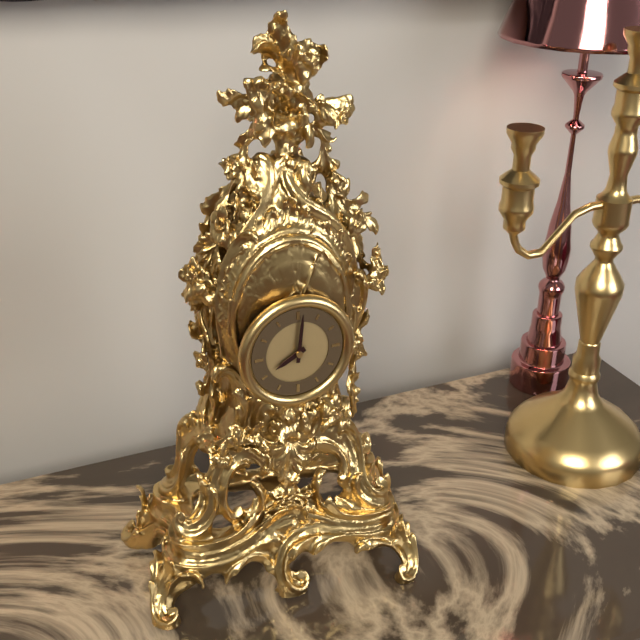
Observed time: 8.01
